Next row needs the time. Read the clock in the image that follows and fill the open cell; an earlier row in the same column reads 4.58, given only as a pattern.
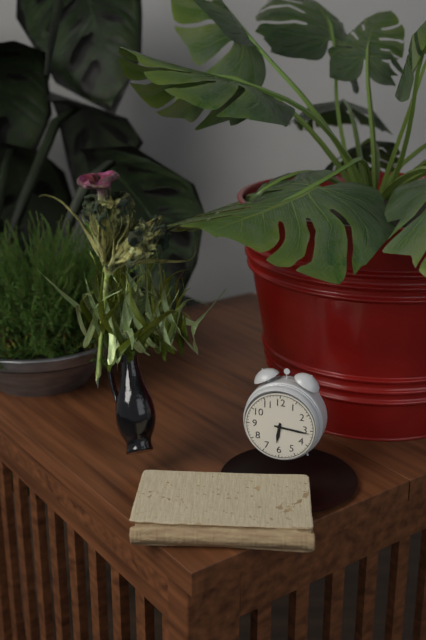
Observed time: 6.16
